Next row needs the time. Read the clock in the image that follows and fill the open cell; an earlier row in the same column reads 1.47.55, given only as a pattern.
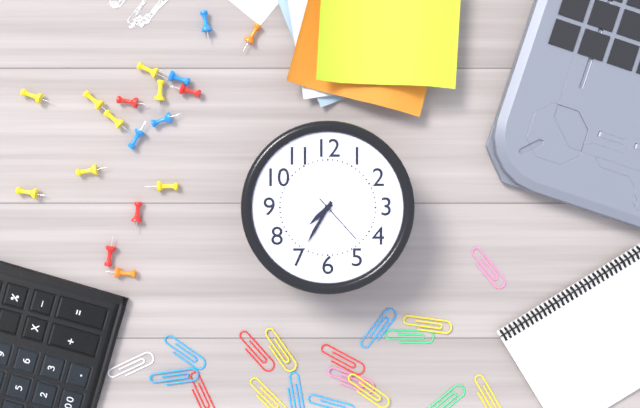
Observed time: 7.35.23
